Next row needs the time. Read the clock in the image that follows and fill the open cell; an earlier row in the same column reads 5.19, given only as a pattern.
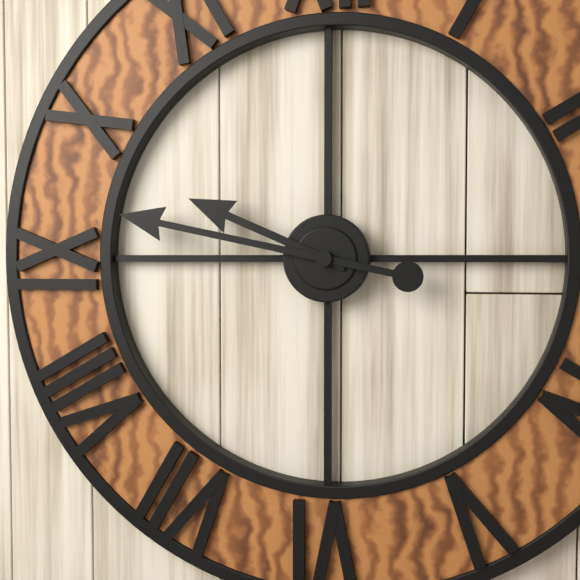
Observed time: 9.47
